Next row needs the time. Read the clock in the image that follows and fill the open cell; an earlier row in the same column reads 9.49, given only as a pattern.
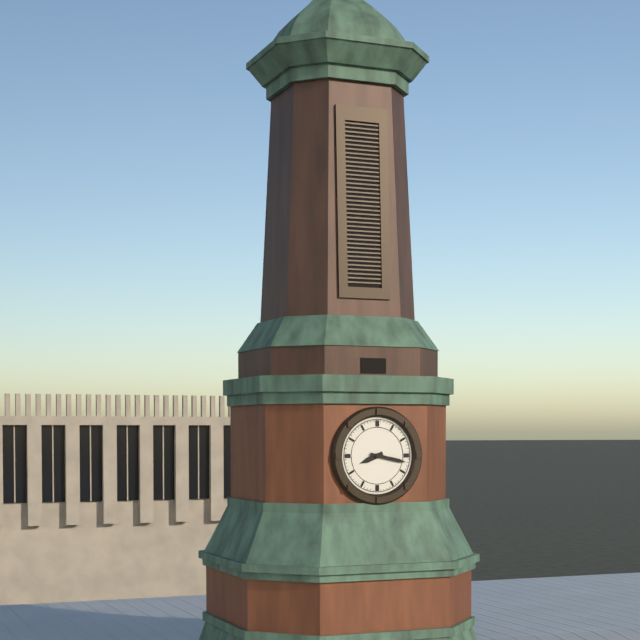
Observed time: 8.17
